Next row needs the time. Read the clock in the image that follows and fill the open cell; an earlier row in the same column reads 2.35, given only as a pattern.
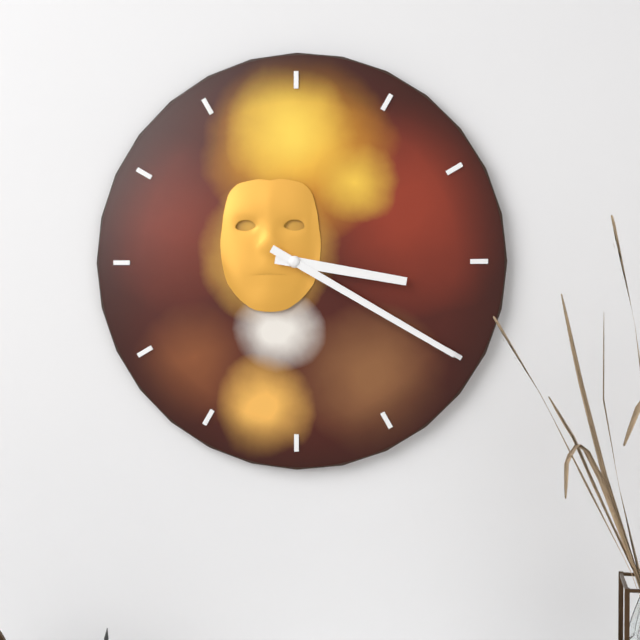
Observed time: 3.20
